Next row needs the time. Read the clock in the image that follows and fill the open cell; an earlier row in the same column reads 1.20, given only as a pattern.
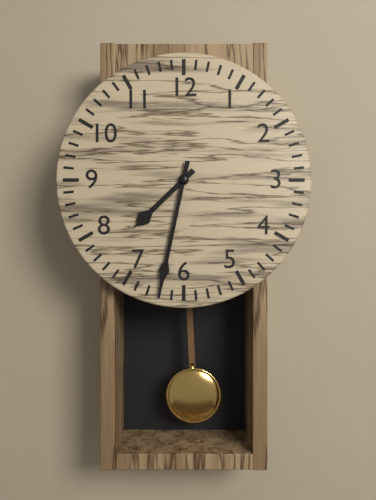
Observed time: 7.32
